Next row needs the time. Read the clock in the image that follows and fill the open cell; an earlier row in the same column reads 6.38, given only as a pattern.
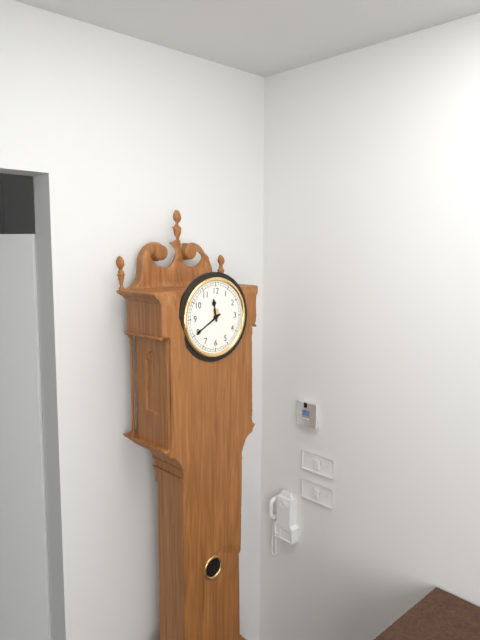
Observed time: 11.40
